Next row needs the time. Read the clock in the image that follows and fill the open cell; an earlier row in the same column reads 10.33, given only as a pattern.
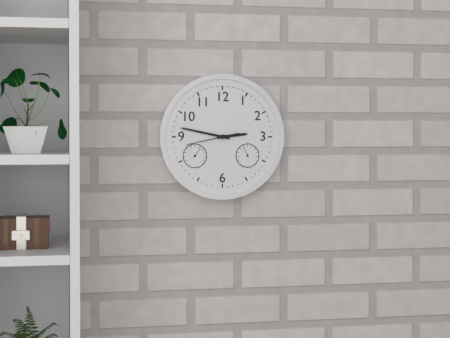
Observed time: 2.47
